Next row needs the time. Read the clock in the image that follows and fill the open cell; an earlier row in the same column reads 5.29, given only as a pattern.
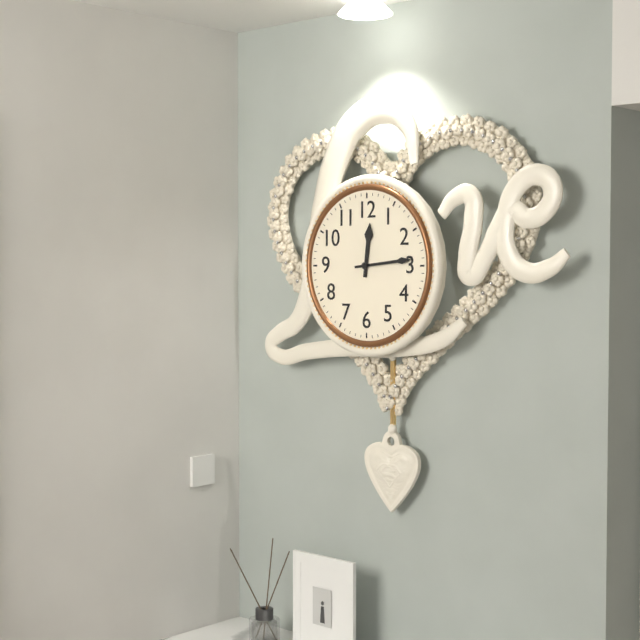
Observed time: 12.14
